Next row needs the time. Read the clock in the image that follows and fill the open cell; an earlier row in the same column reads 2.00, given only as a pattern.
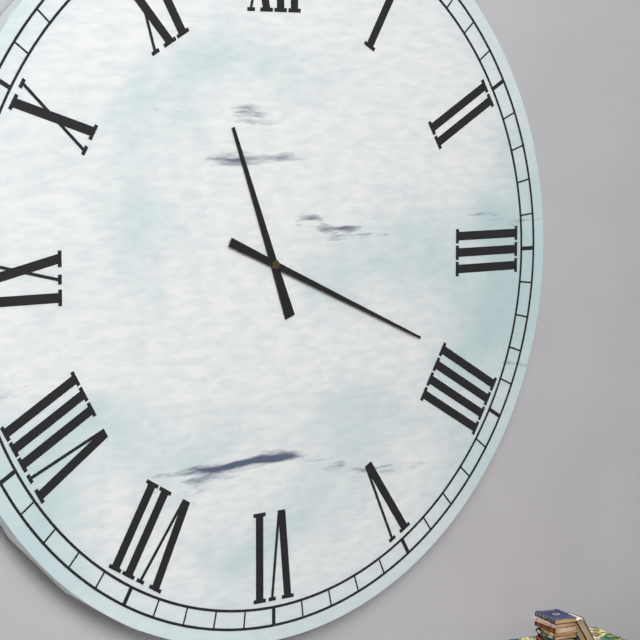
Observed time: 11.19
